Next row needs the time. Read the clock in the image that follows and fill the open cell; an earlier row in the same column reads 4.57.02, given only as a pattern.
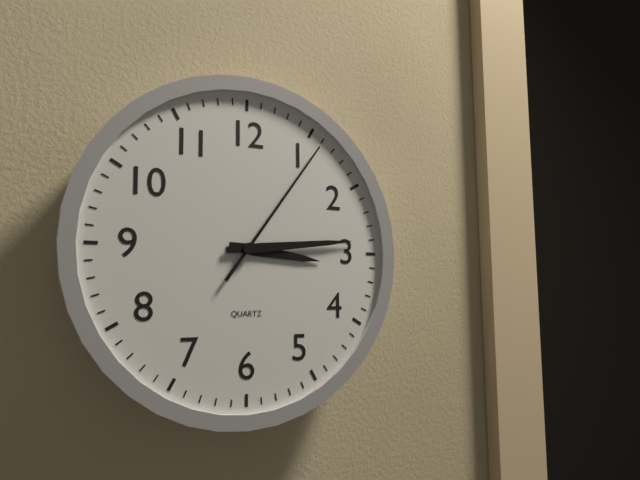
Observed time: 3.14.06
